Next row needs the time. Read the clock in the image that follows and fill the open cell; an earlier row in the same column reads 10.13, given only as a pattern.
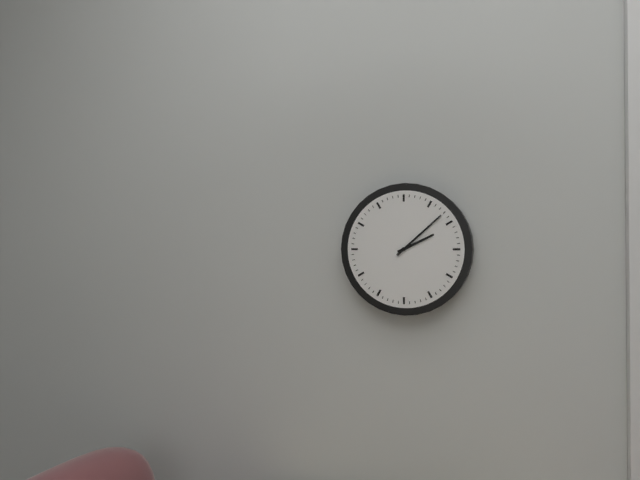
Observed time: 2.08
